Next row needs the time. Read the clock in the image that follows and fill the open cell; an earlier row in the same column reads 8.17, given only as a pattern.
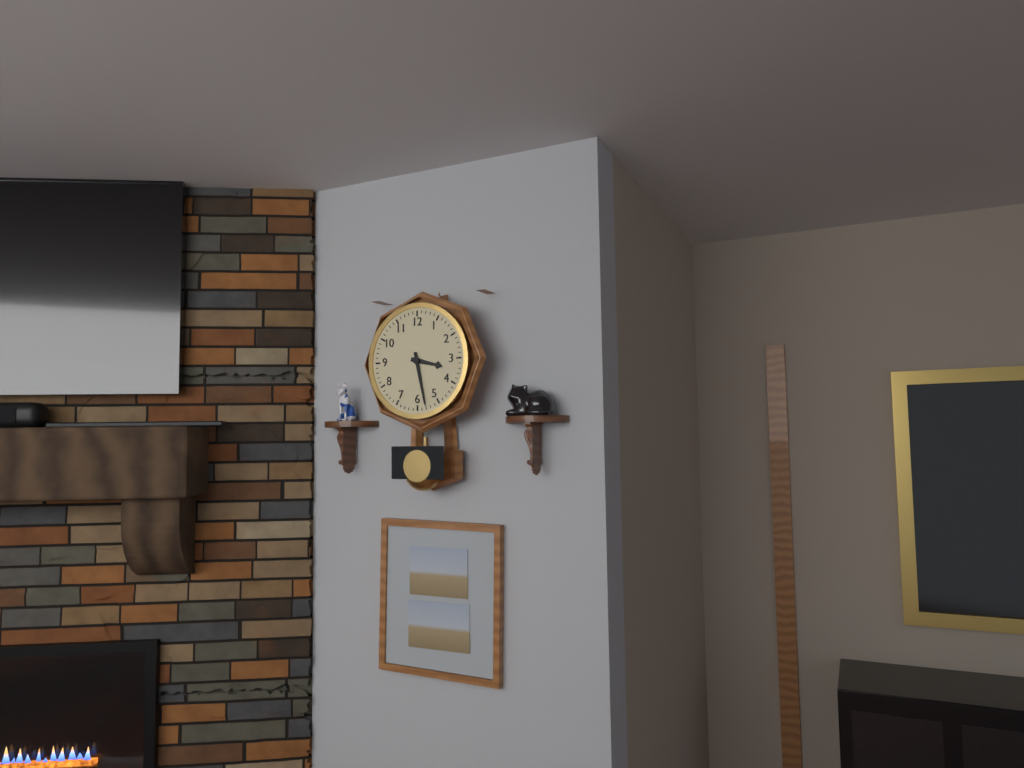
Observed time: 3.28
